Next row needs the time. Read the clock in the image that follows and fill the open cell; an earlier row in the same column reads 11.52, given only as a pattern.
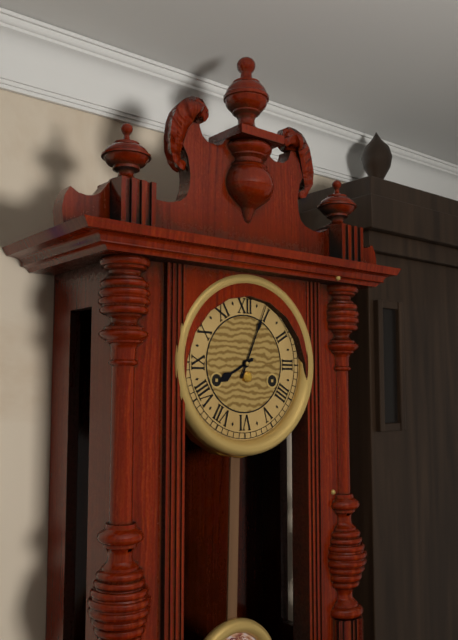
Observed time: 8.04
